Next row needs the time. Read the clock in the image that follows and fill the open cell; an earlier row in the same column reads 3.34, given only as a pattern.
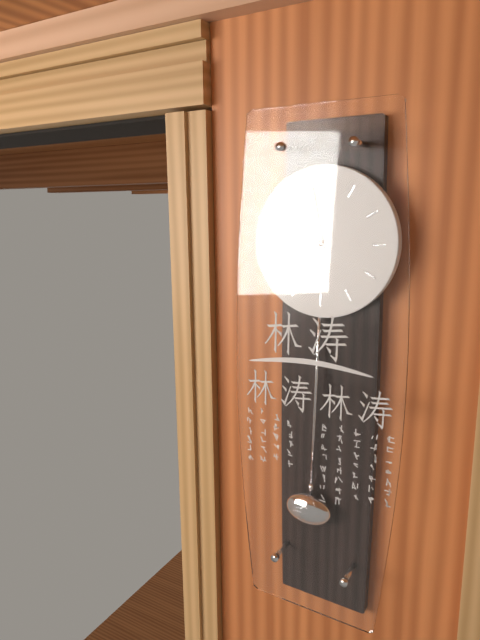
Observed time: 8.58
